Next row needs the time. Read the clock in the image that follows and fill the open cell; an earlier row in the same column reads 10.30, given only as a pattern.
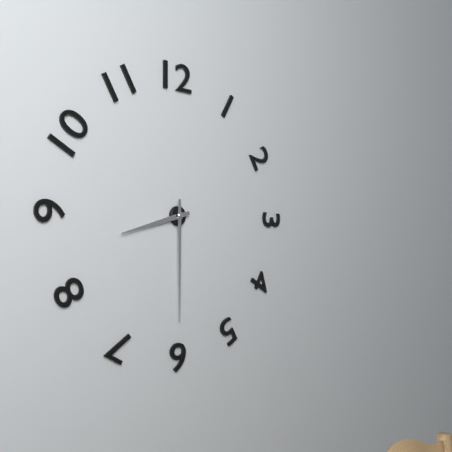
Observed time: 8.30
